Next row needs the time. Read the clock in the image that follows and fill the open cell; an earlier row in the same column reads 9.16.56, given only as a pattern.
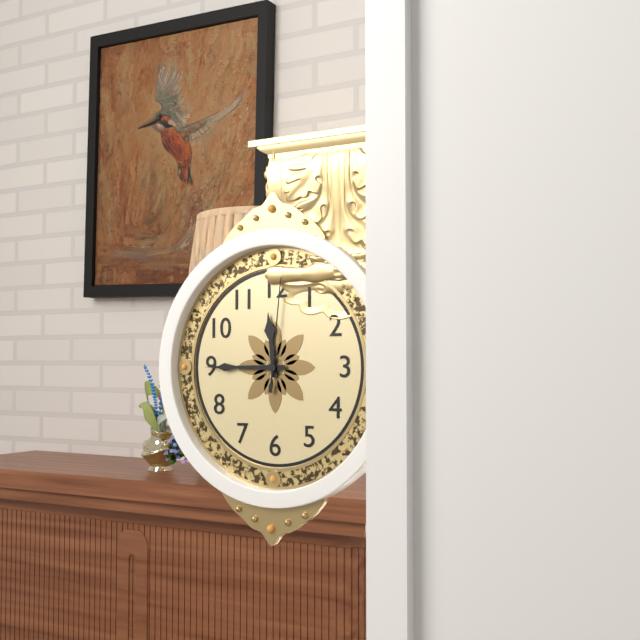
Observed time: 11.45.01
